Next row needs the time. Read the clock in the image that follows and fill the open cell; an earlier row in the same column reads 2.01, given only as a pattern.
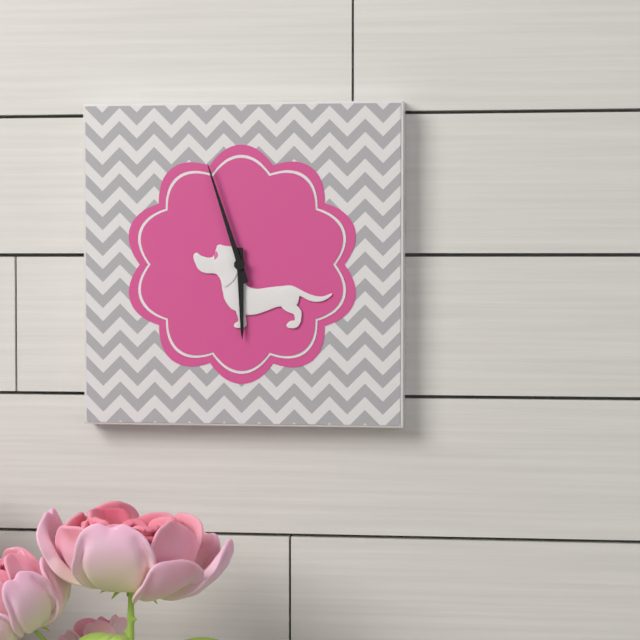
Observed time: 5.57
